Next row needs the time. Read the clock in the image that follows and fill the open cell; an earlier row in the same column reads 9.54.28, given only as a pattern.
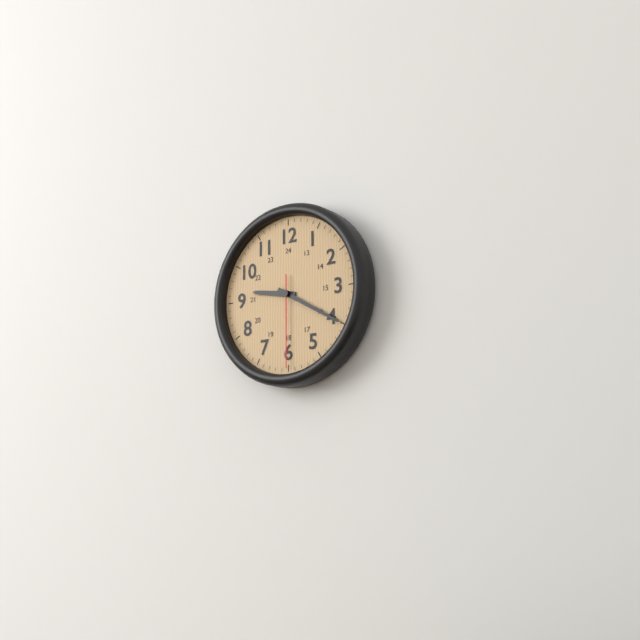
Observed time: 9.20.30
